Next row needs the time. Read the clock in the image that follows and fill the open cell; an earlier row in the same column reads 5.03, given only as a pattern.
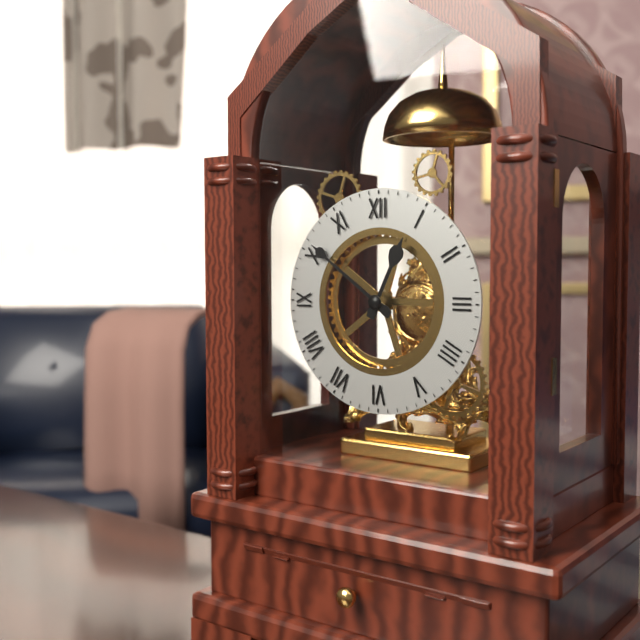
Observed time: 12.51
